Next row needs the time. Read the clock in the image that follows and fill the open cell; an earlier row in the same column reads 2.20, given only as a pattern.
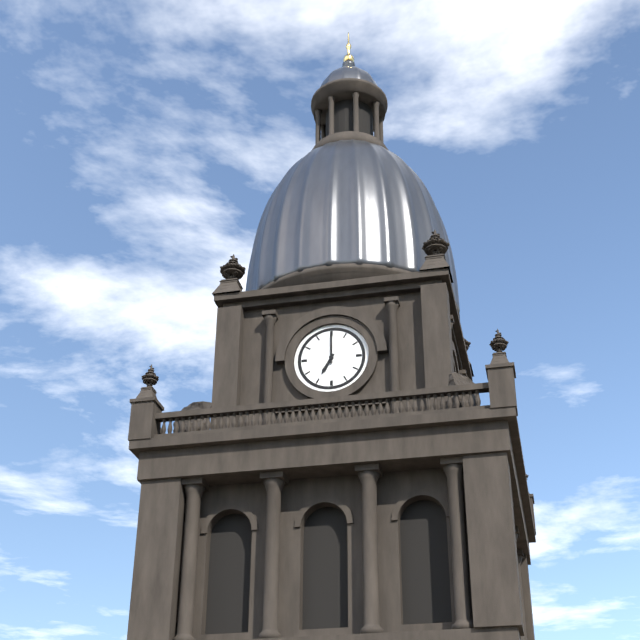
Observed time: 7.00
